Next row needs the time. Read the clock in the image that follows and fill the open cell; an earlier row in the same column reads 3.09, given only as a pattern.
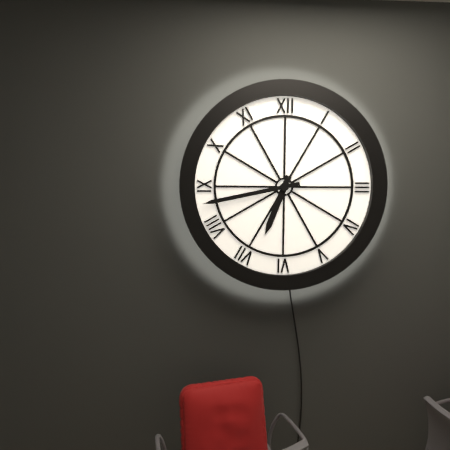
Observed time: 6.43
